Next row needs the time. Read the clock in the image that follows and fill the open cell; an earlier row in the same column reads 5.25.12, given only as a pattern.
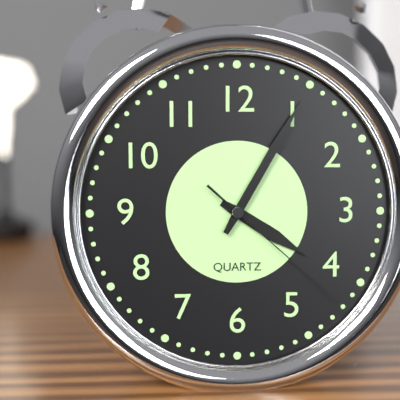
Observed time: 4.05.22
